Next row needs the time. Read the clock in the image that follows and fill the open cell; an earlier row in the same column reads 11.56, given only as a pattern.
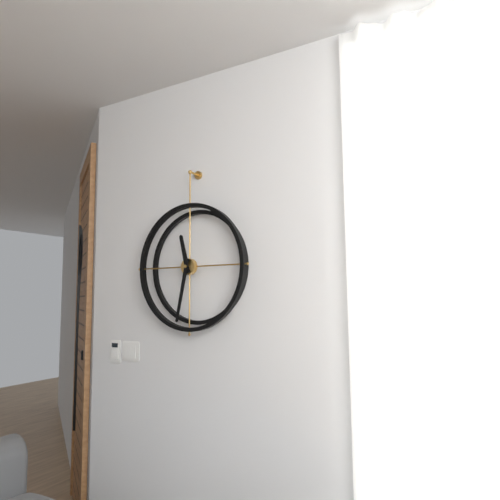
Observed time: 11.32
